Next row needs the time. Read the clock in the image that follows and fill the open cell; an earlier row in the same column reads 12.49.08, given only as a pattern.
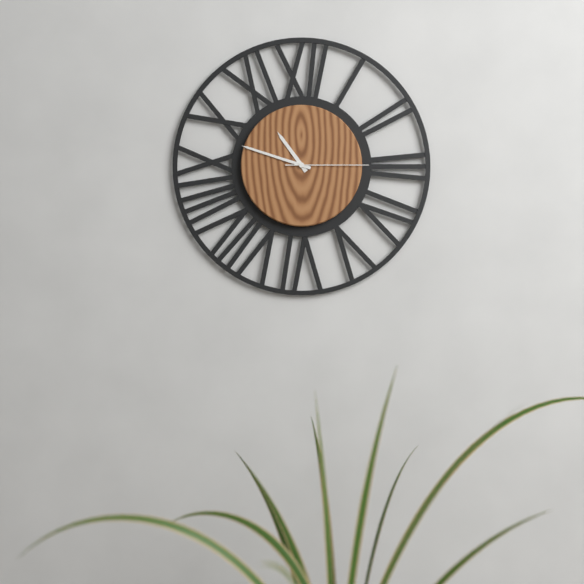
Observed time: 10.48.15
